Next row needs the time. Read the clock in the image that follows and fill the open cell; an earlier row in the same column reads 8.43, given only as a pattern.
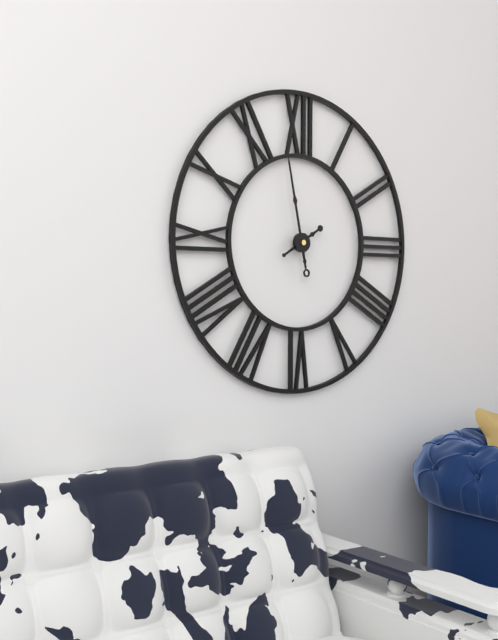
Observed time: 1.58
